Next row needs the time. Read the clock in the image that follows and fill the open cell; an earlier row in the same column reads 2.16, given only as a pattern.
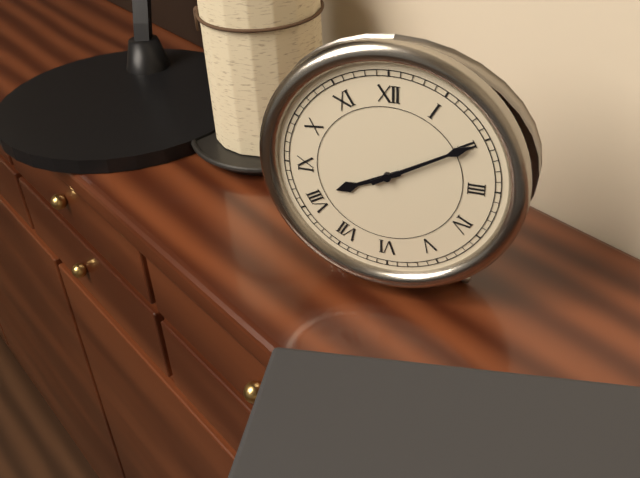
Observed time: 8.10
